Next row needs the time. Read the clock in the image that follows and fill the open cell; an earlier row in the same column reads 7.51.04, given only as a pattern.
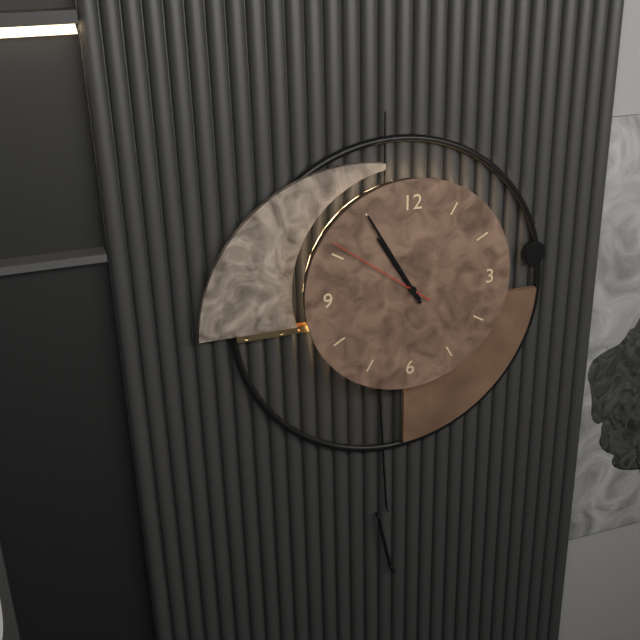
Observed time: 10.55.51
